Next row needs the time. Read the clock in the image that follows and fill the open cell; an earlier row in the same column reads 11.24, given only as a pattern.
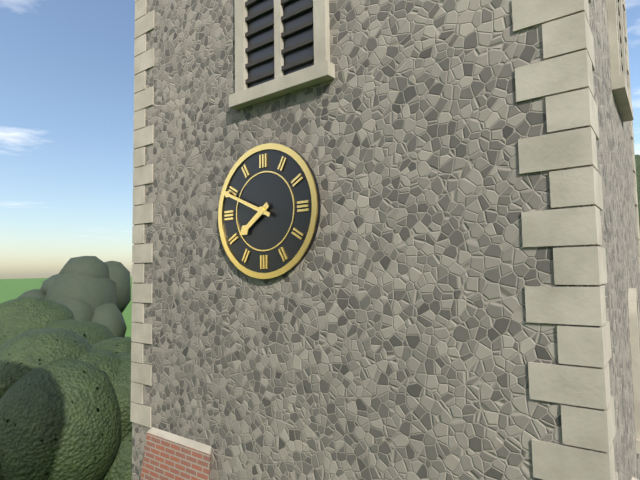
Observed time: 7.49
